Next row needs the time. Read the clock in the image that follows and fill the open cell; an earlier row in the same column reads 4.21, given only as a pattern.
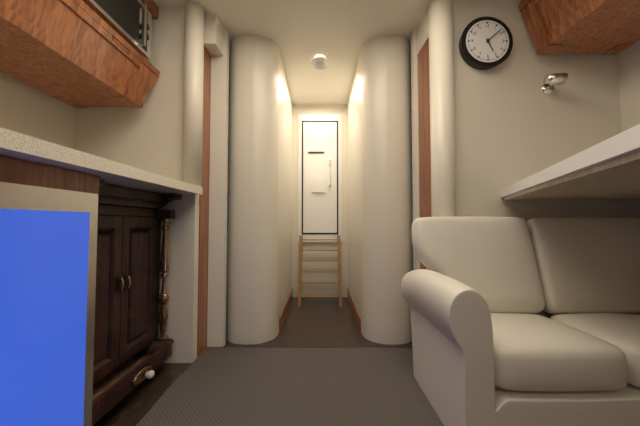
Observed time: 5.08
